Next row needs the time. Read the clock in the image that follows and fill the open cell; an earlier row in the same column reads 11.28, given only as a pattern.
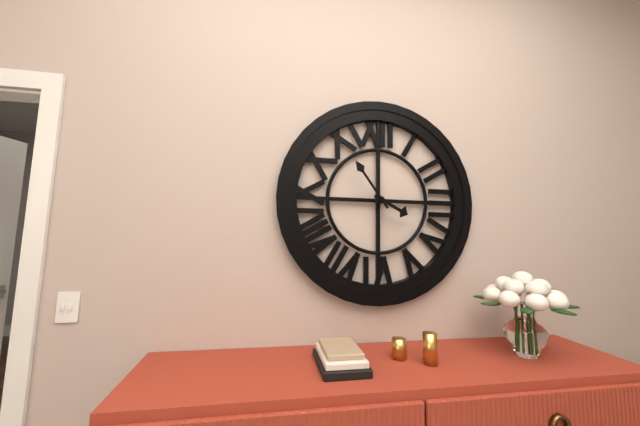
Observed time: 3.54
